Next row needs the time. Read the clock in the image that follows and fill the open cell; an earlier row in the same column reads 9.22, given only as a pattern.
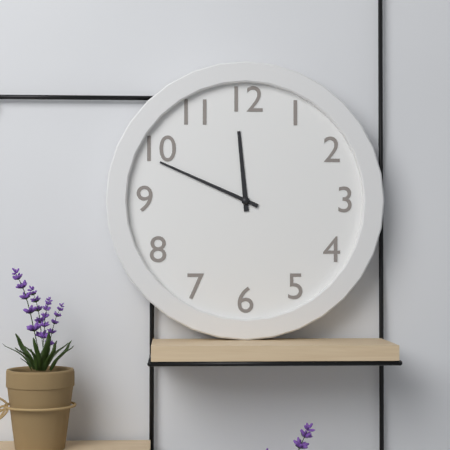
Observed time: 11.49
